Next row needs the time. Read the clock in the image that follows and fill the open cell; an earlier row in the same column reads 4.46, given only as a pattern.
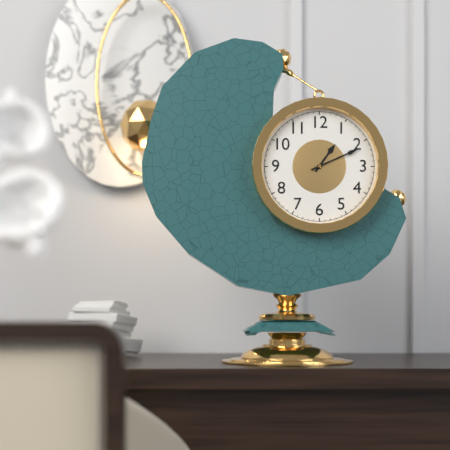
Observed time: 1.11
